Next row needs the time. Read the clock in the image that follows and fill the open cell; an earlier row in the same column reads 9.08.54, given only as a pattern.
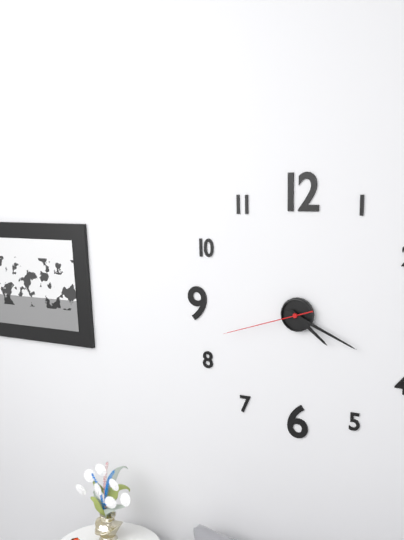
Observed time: 4.19.42
